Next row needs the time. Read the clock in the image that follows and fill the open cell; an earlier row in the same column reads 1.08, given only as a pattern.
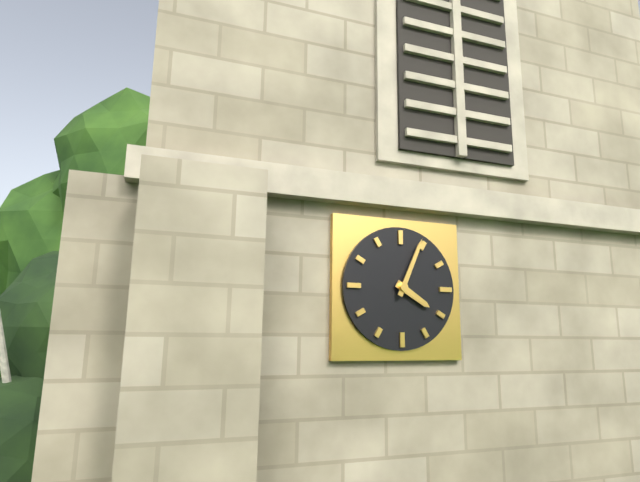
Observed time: 4.04
